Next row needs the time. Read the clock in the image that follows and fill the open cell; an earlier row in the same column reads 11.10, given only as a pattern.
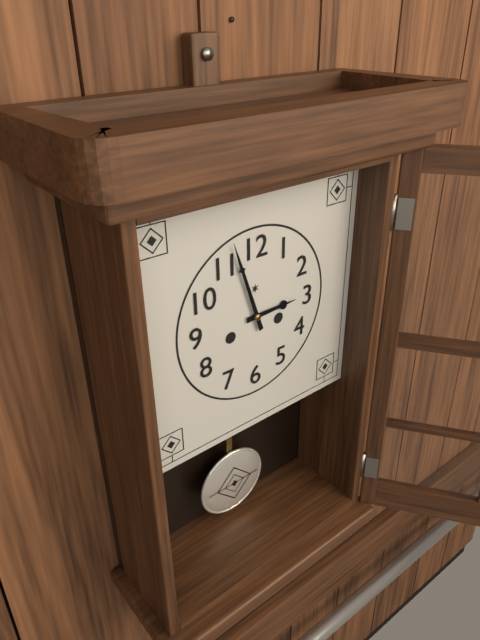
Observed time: 2.57
